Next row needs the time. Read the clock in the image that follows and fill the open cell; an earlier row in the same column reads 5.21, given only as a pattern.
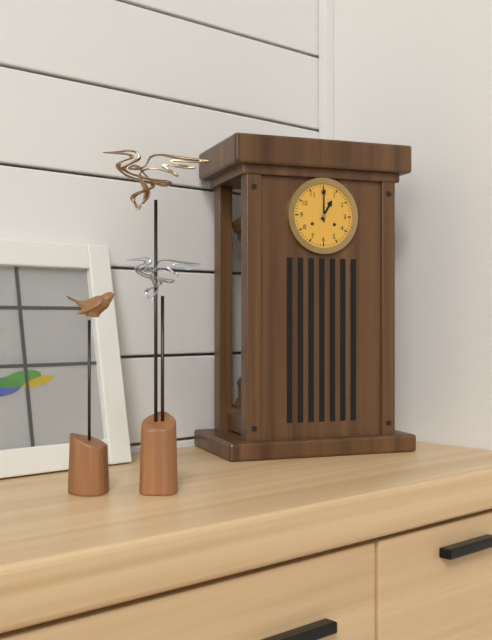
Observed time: 1.00
